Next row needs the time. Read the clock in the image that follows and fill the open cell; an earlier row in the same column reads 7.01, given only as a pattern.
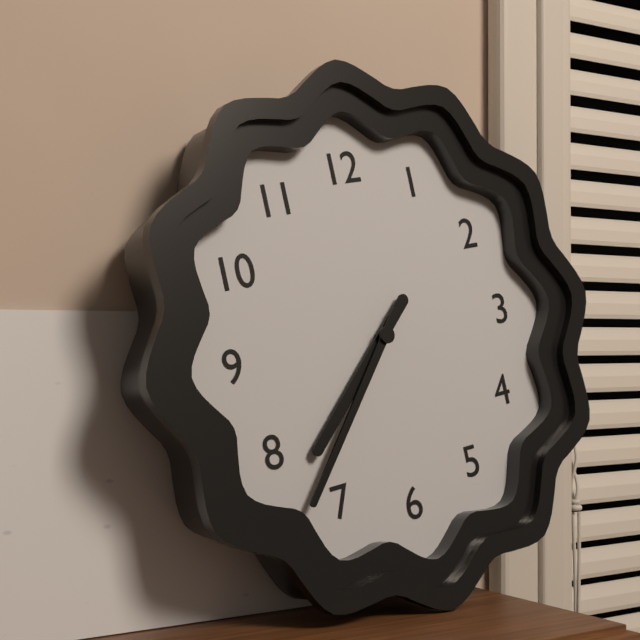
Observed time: 7.37
